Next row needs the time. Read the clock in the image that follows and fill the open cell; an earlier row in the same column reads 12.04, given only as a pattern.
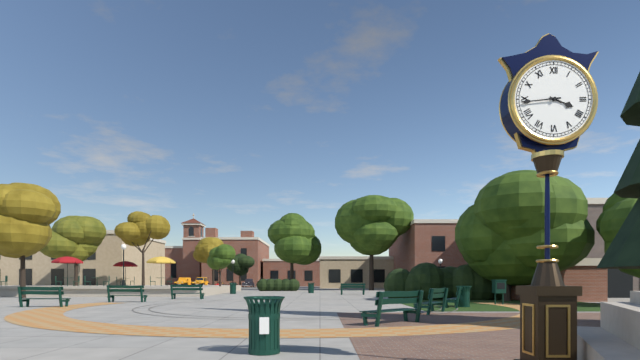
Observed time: 3.44
